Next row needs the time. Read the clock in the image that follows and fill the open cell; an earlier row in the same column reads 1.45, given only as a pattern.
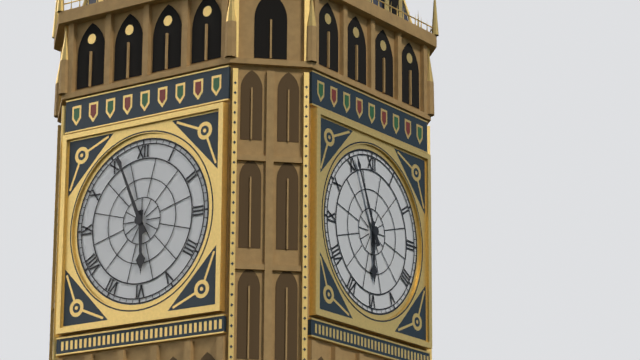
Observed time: 5.56
